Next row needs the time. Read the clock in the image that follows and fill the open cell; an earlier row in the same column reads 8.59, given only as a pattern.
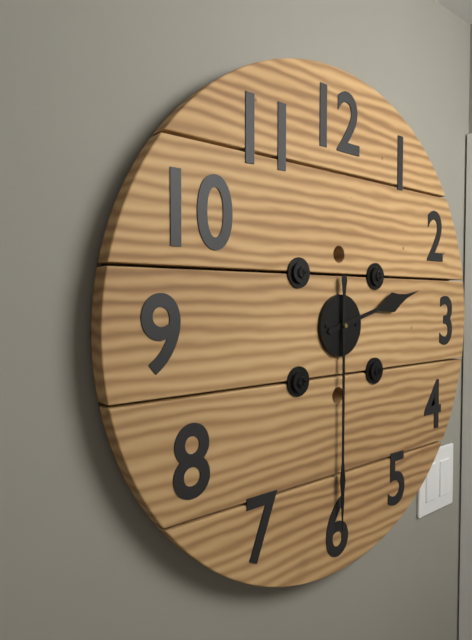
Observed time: 2.30
